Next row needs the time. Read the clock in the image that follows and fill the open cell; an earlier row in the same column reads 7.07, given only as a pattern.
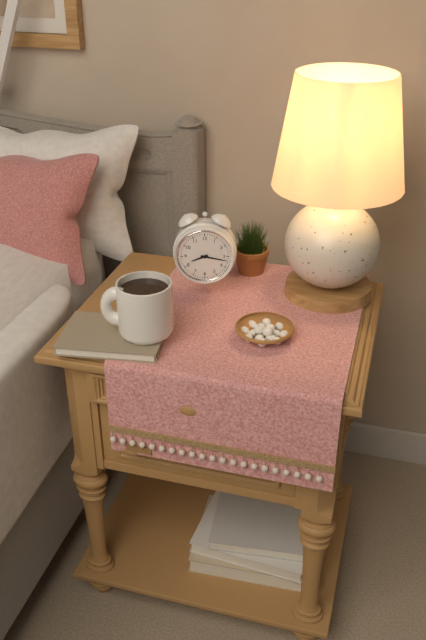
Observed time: 8.17
